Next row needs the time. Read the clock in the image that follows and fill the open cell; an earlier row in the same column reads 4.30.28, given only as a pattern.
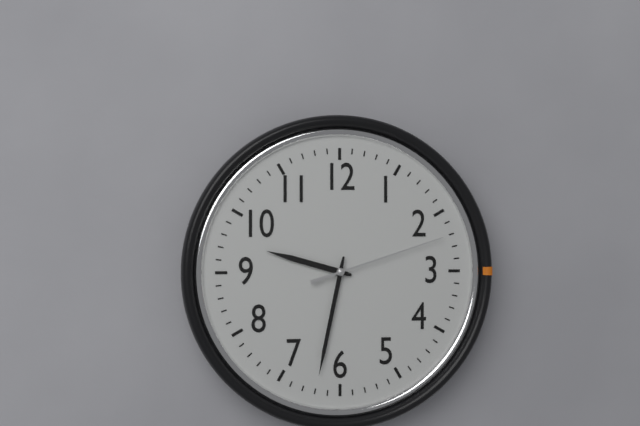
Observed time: 9.32.12
